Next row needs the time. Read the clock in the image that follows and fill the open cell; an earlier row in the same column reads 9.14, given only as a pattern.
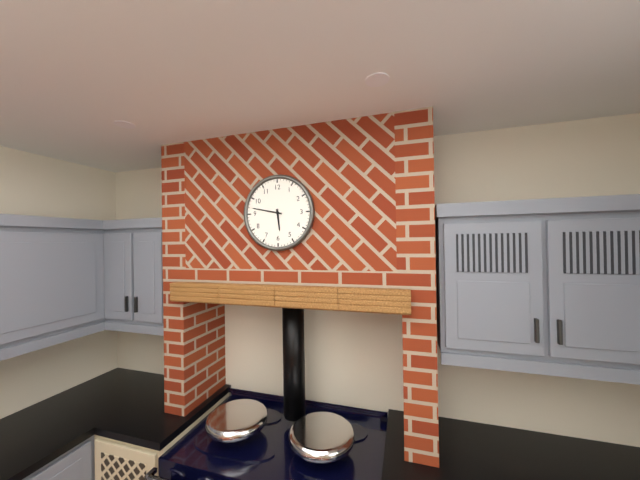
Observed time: 5.47
